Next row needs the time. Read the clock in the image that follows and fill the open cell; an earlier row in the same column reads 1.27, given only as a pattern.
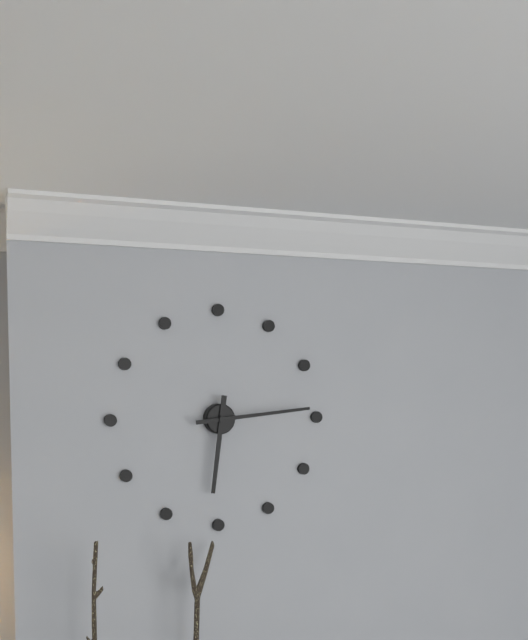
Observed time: 6.14
